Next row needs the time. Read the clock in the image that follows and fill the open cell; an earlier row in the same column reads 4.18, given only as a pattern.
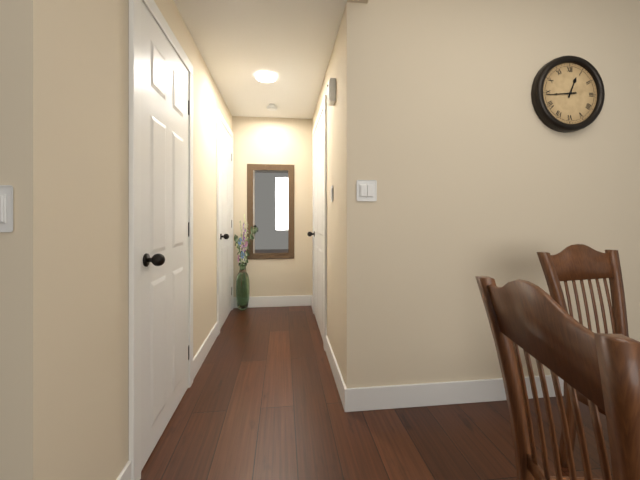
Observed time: 12.44
